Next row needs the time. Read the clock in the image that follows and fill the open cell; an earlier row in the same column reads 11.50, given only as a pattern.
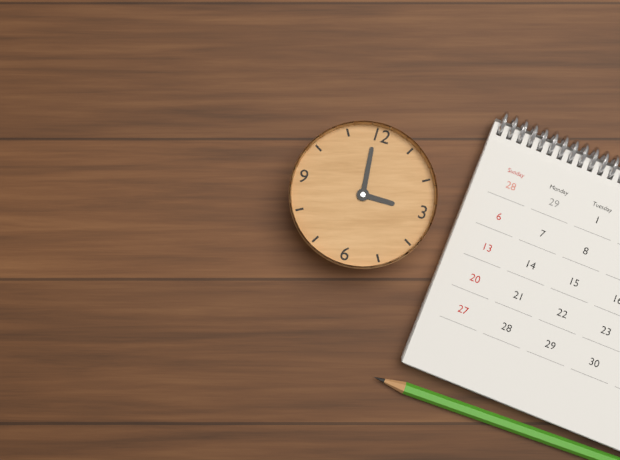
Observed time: 2.59
